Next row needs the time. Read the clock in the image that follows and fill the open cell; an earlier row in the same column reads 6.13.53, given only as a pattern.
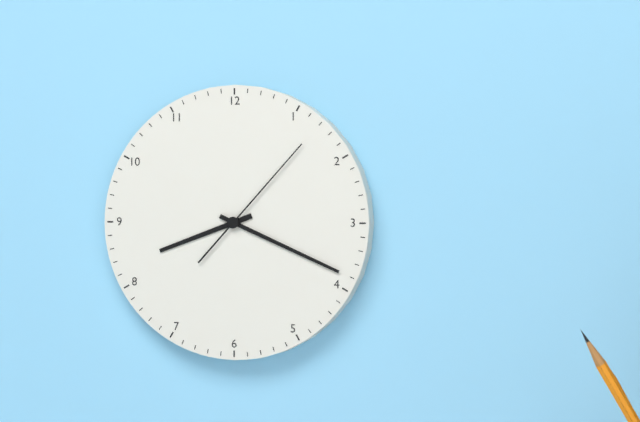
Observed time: 8.19.07
